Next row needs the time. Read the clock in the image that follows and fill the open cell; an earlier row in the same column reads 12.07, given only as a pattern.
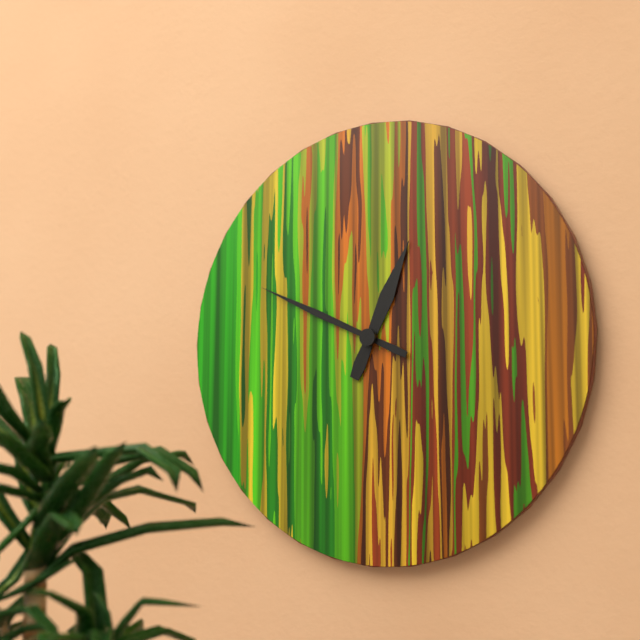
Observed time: 12.49
